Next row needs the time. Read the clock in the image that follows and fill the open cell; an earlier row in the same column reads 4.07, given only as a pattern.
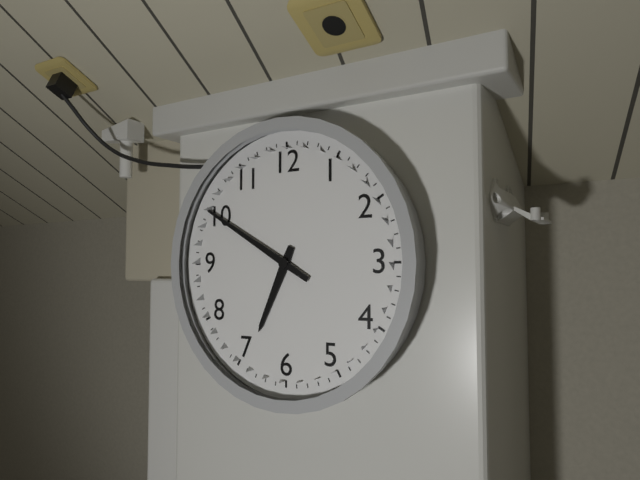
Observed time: 6.50
